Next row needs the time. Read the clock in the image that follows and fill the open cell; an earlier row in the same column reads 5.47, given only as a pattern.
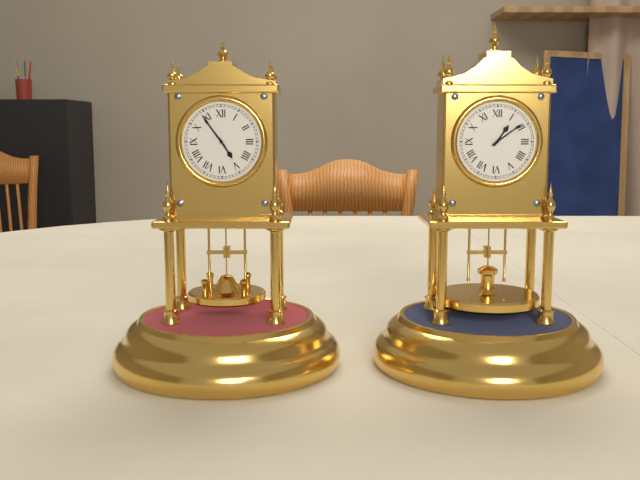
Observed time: 4.54
